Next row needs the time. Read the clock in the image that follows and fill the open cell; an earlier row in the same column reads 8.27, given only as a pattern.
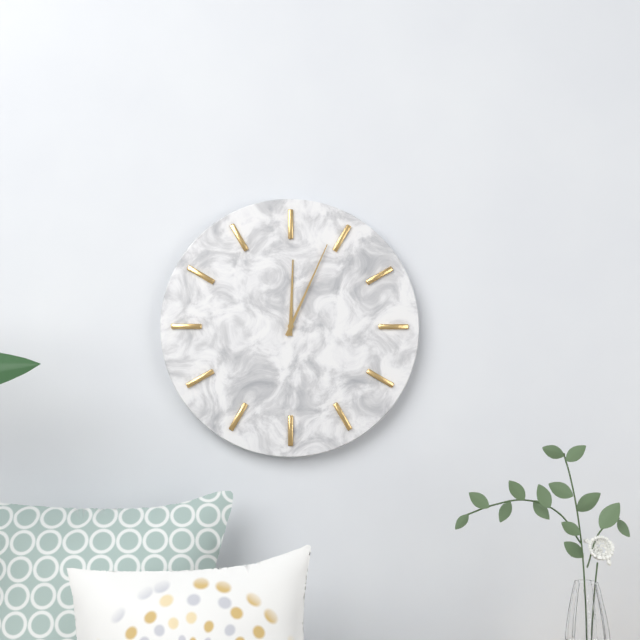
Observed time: 12.04
